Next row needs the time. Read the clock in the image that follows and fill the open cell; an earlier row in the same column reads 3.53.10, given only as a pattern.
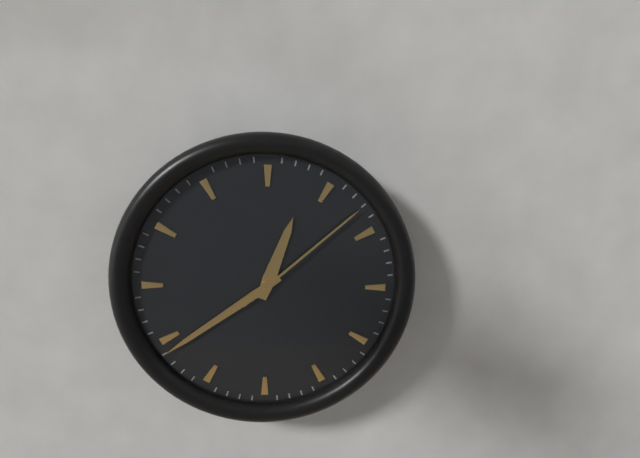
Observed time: 12.39.08
